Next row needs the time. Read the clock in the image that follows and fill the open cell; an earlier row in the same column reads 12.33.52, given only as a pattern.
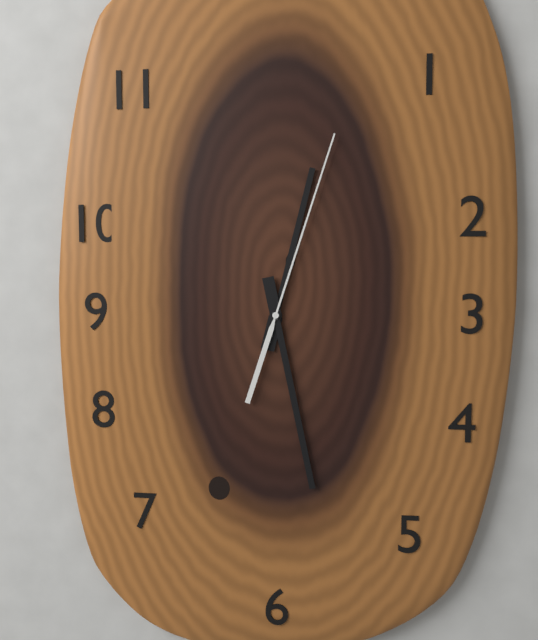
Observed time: 12.28.03
